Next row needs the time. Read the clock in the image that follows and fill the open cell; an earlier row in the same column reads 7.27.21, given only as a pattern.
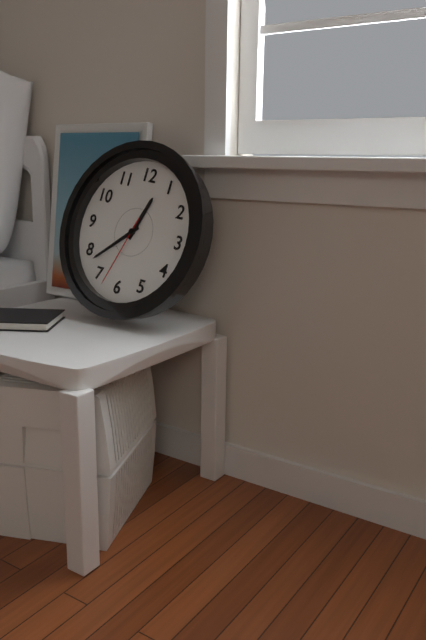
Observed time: 12.38.33
